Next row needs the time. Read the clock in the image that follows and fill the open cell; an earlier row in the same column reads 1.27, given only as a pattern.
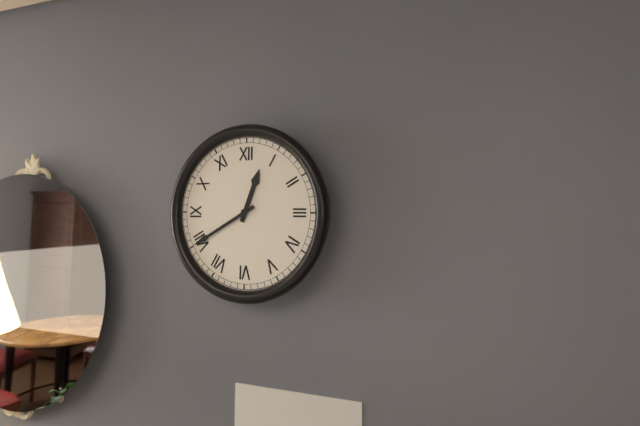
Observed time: 12.40
